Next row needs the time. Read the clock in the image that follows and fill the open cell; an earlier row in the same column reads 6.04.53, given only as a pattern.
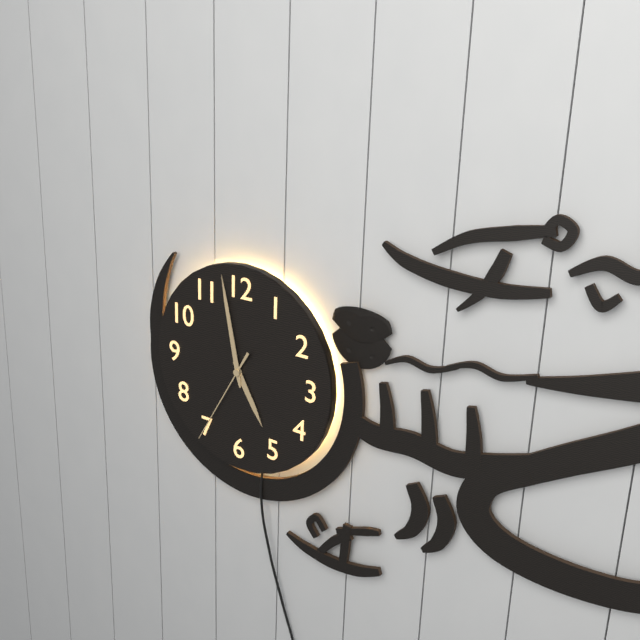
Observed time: 4.58.35
